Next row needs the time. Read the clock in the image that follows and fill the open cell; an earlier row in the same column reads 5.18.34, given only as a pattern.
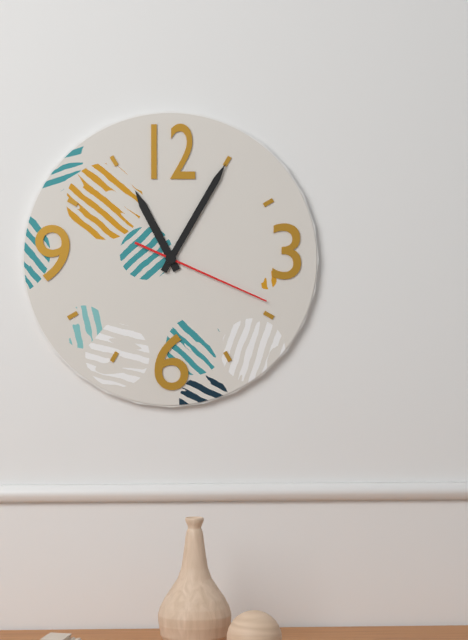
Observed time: 11.05.19
